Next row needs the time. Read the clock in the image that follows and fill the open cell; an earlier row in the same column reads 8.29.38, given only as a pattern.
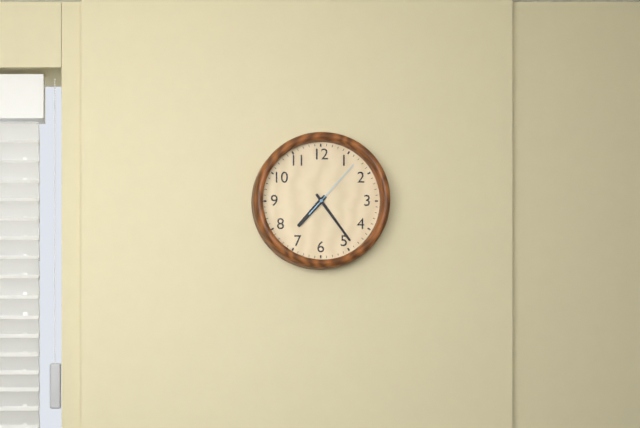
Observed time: 7.24.07
